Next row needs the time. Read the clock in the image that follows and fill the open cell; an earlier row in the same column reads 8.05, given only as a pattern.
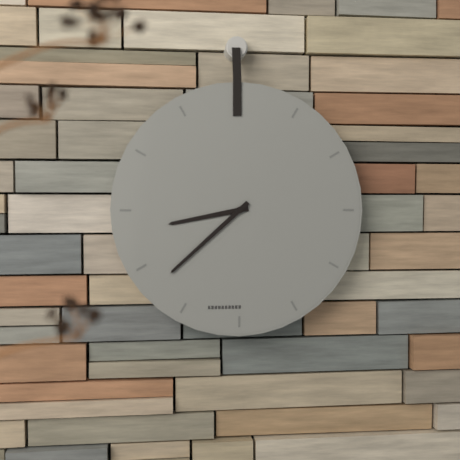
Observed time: 8.38
